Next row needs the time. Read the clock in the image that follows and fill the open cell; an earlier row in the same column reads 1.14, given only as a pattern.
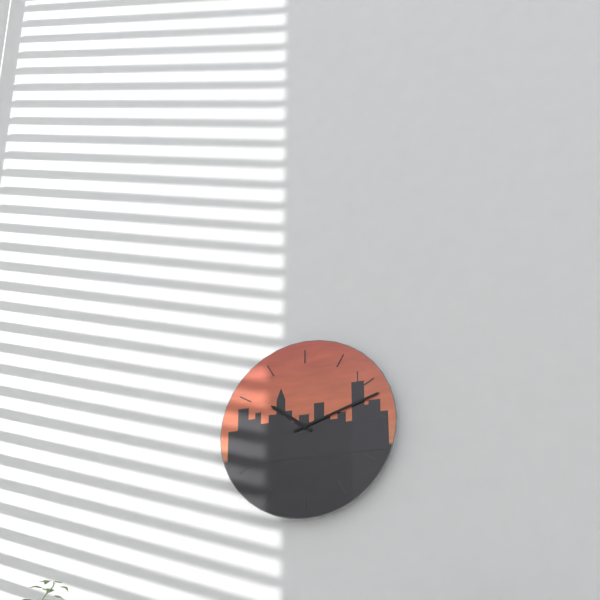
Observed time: 10.12
